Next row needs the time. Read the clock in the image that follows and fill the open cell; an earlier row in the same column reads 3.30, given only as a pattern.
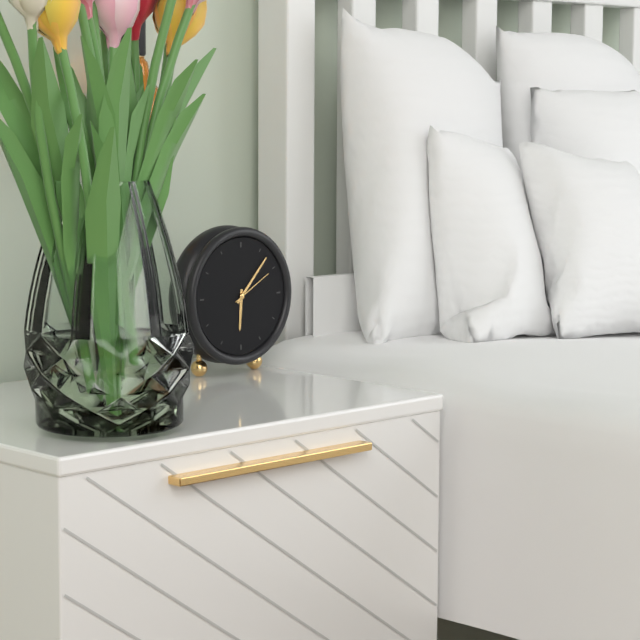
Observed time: 6.07
